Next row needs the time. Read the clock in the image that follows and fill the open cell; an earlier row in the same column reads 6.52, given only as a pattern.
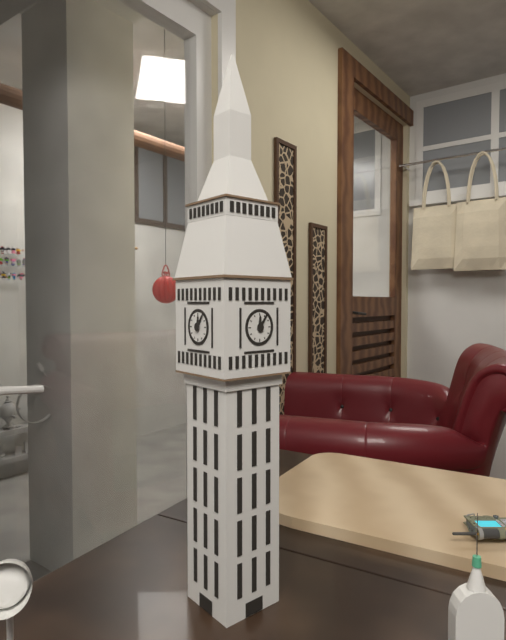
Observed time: 12.06
